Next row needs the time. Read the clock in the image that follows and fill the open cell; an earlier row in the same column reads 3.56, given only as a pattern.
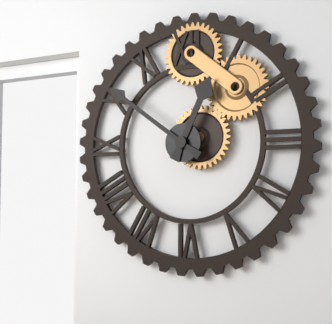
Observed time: 12.51
